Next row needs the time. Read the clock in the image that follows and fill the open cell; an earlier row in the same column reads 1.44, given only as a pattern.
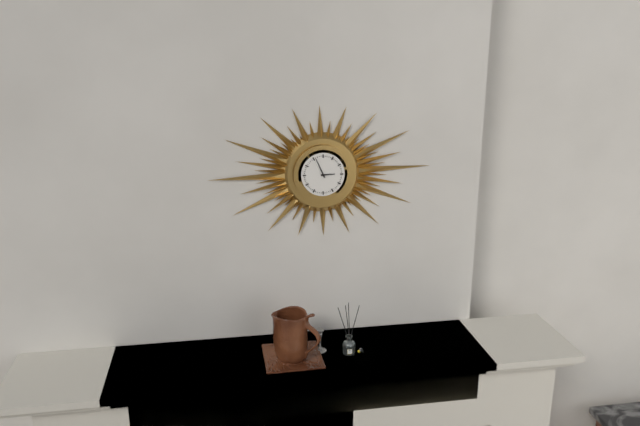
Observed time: 2.56
